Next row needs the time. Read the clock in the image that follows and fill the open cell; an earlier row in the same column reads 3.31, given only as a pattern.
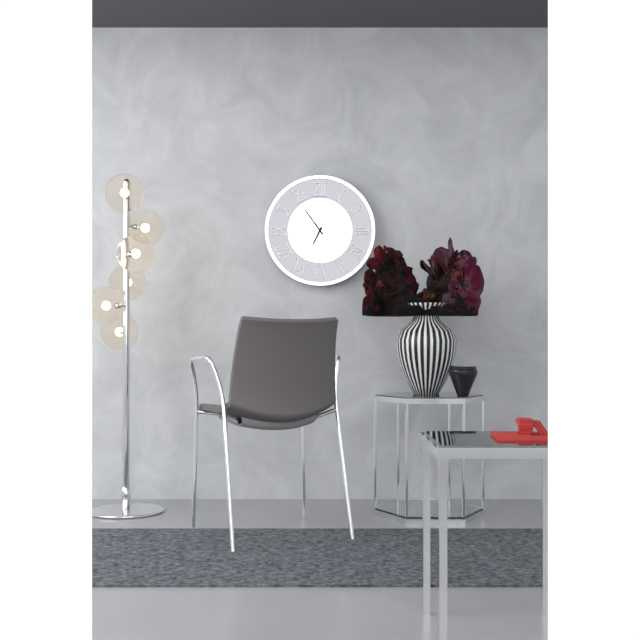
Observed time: 6.54
